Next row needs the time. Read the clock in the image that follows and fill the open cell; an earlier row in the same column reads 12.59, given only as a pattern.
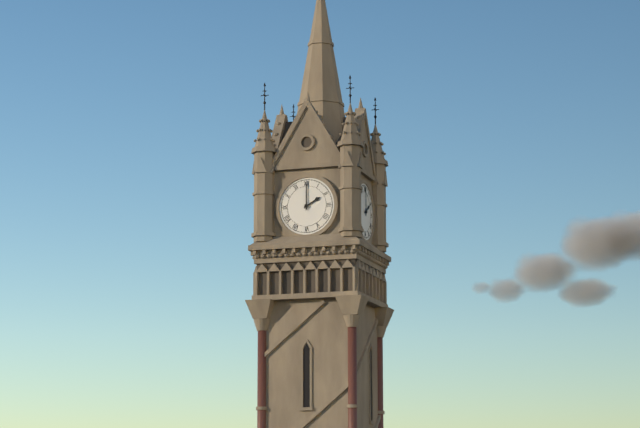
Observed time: 2.00
